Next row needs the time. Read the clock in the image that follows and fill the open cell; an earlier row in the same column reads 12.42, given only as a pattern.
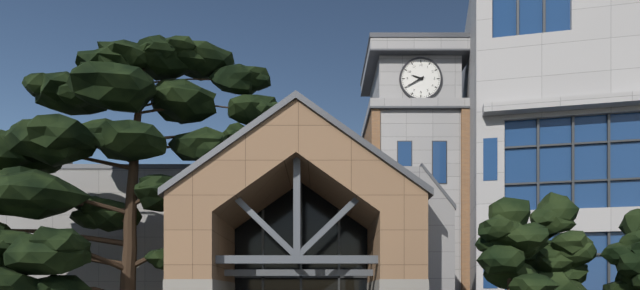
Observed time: 9.40
